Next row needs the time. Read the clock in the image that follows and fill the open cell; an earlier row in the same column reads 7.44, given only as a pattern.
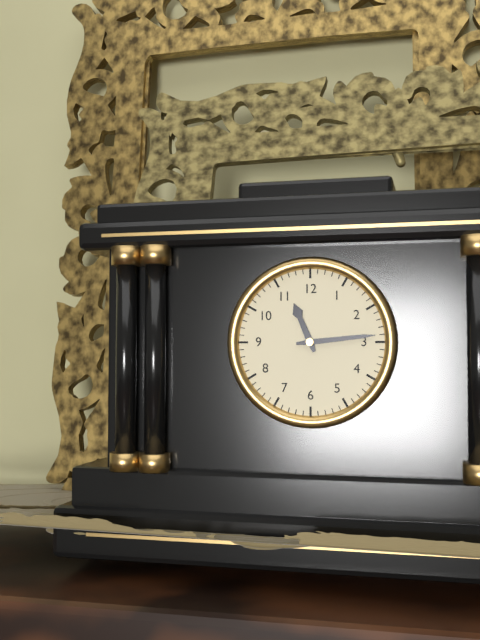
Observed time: 11.14
